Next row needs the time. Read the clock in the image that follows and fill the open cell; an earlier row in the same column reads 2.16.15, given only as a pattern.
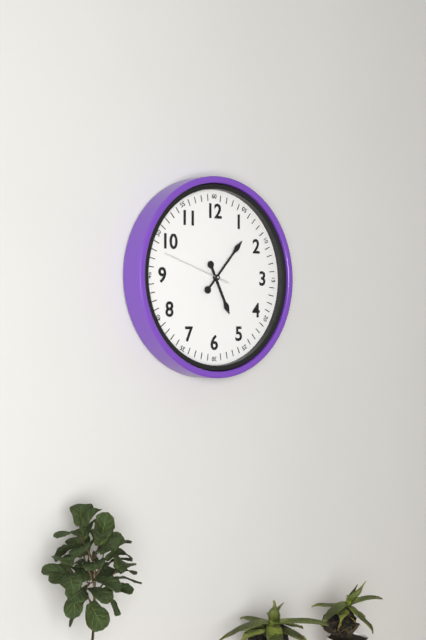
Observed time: 5.07.48
